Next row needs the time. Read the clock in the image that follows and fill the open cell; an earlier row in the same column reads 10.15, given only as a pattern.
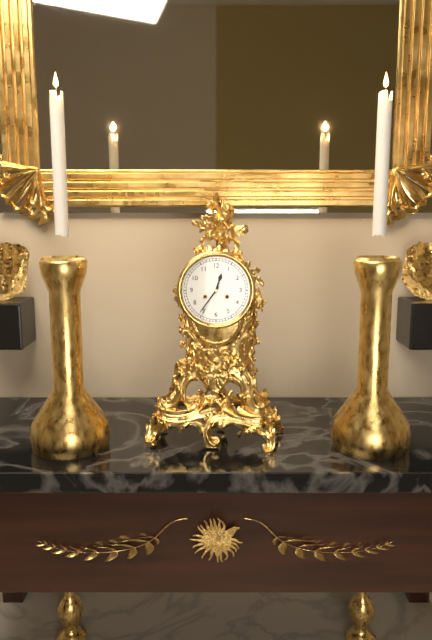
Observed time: 12.36
